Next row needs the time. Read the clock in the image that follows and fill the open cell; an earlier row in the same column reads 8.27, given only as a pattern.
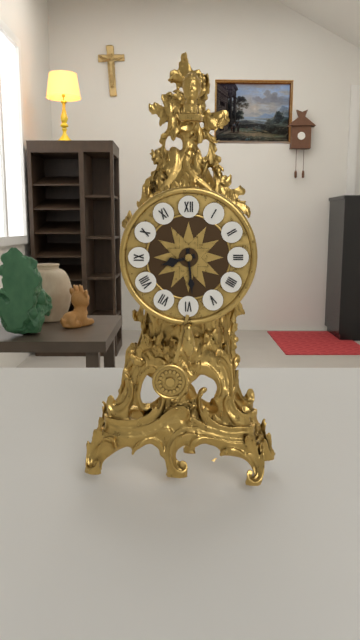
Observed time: 8.29
